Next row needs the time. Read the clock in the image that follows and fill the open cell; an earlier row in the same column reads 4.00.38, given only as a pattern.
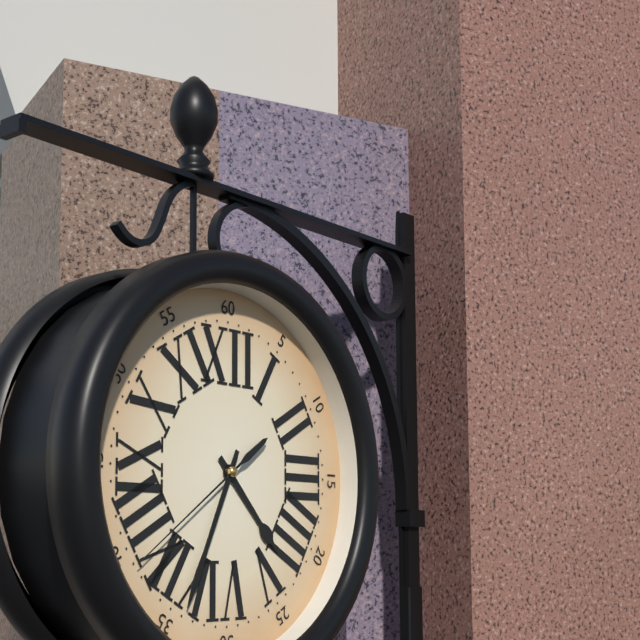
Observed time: 4.34.39
